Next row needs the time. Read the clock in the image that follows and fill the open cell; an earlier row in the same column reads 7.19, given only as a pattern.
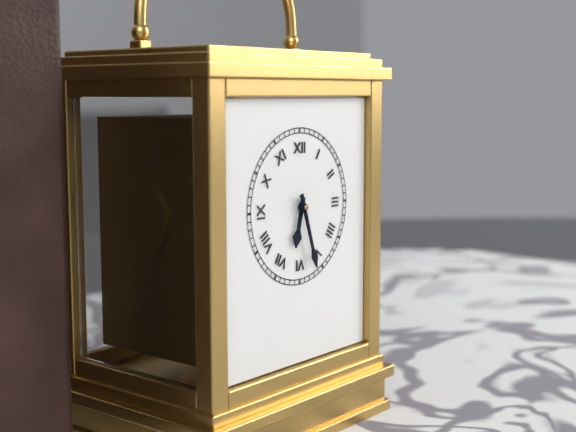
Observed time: 6.27
